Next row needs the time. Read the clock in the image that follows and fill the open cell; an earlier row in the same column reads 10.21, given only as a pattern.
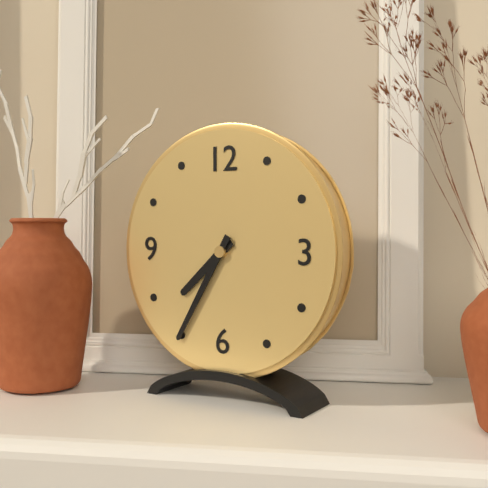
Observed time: 7.35
